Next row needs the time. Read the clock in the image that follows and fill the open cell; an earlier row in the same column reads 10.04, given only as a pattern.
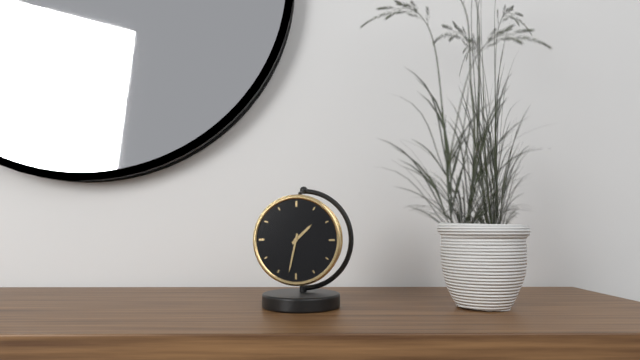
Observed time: 1.32
